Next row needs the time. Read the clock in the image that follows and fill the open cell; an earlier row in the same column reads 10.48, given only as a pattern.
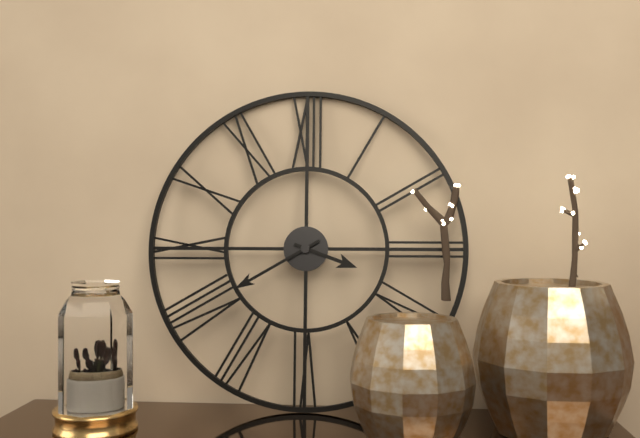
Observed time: 3.40
